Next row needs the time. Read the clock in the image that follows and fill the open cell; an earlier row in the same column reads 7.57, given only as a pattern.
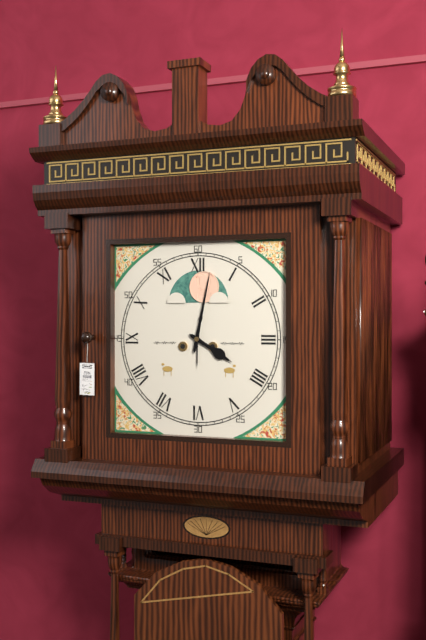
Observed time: 4.02
